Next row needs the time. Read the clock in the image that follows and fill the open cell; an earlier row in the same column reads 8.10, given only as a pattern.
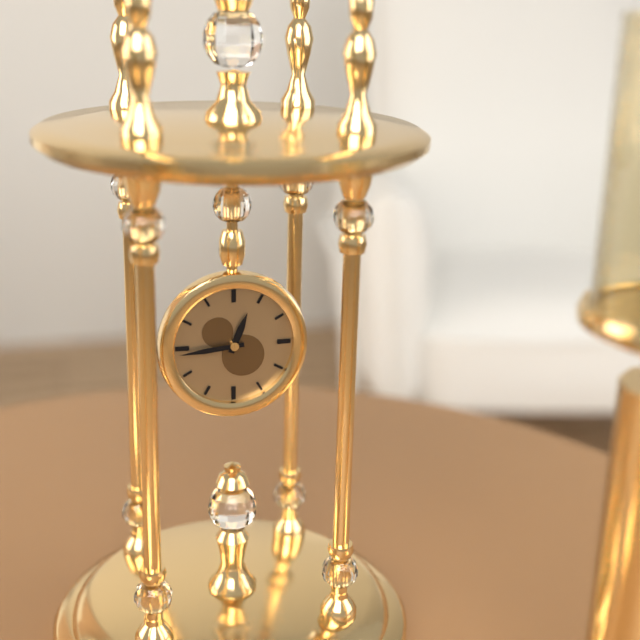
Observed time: 12.44
